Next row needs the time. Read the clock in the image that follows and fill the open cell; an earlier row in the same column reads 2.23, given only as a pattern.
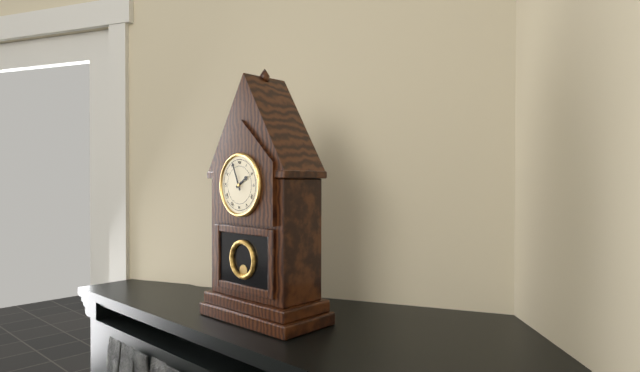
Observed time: 1.56
